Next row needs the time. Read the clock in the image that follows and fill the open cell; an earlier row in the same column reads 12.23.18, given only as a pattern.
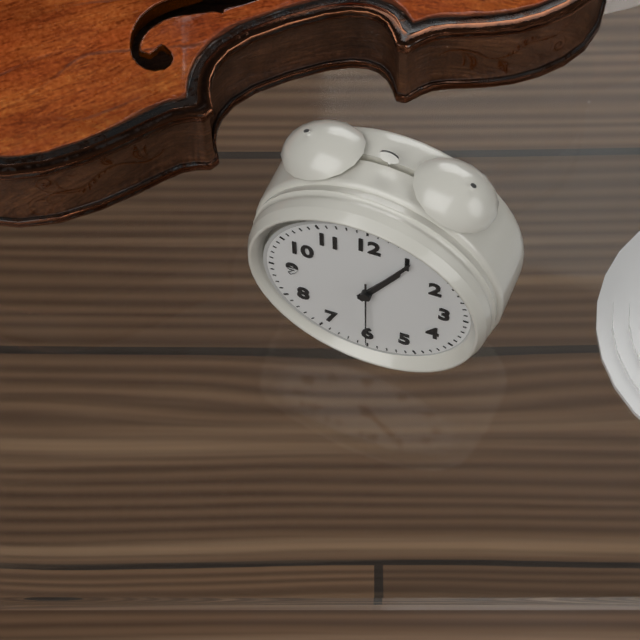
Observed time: 1.05.30
